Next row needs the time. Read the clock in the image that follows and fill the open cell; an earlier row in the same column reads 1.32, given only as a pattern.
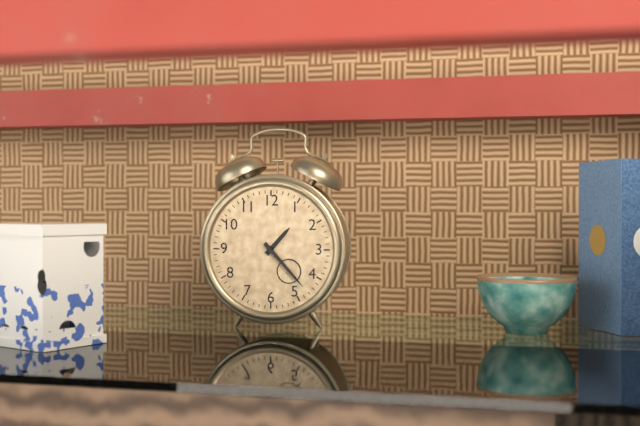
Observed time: 1.23
